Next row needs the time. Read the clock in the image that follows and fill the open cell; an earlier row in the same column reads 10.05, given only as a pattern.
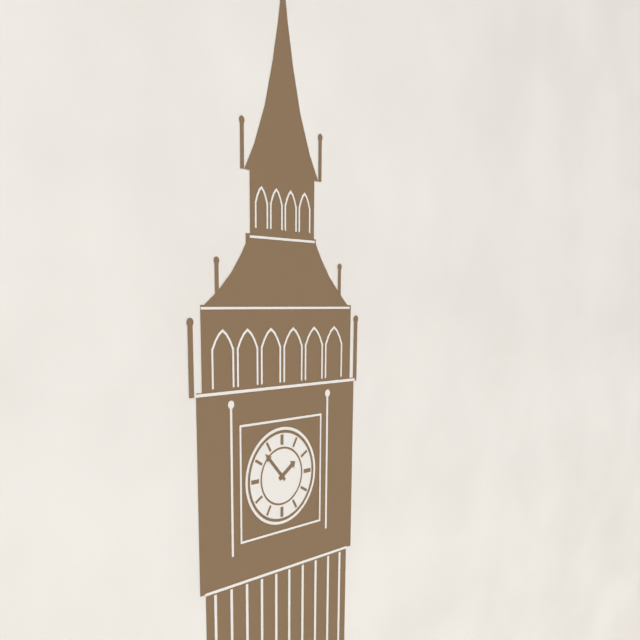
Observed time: 1.53
